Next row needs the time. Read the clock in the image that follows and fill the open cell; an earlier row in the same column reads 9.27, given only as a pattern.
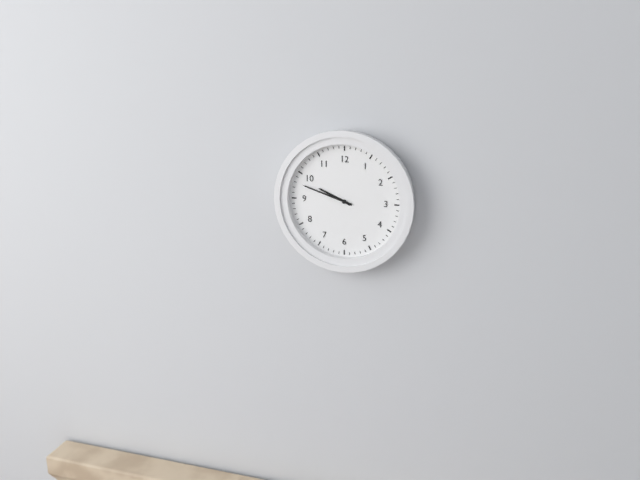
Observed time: 9.48
